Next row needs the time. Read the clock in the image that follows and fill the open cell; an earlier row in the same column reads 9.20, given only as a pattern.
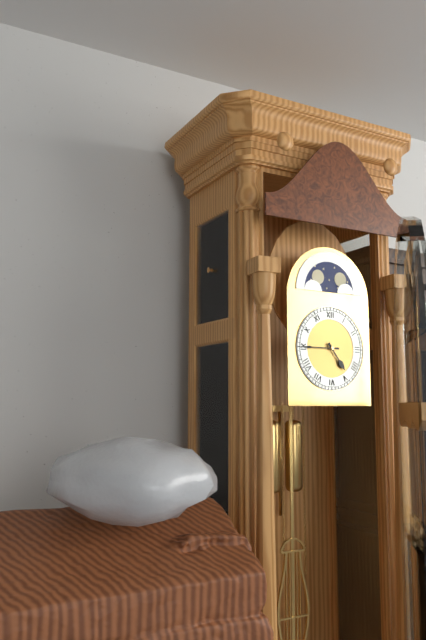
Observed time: 4.45
